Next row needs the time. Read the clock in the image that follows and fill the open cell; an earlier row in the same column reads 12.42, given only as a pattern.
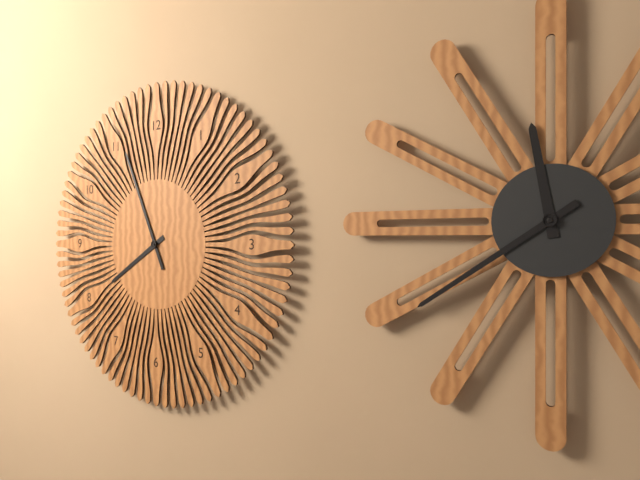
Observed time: 7.56
